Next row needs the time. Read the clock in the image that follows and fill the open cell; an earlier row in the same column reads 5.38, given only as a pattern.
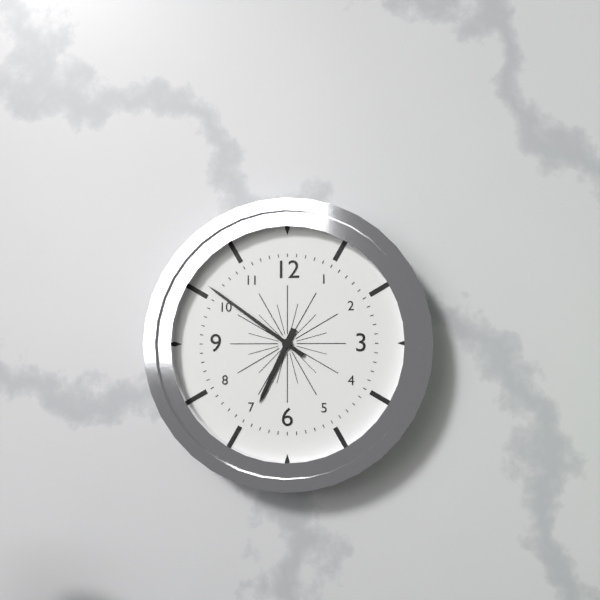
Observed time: 6.51
